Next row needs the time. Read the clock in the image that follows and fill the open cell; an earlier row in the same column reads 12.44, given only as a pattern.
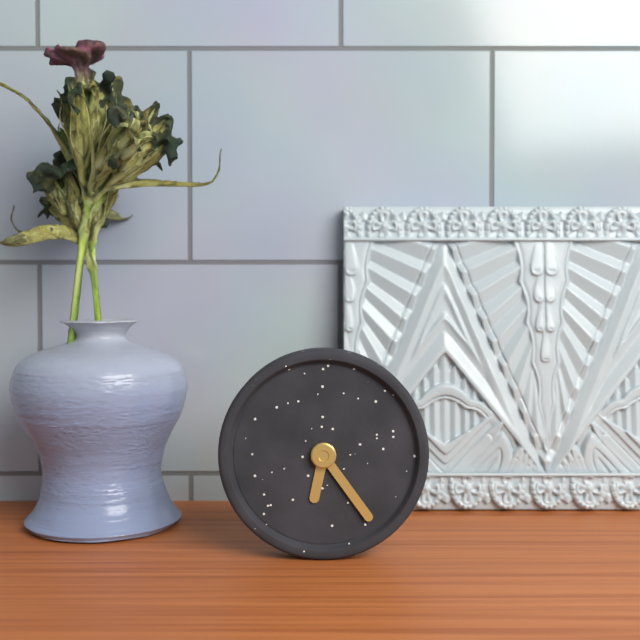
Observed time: 6.24
